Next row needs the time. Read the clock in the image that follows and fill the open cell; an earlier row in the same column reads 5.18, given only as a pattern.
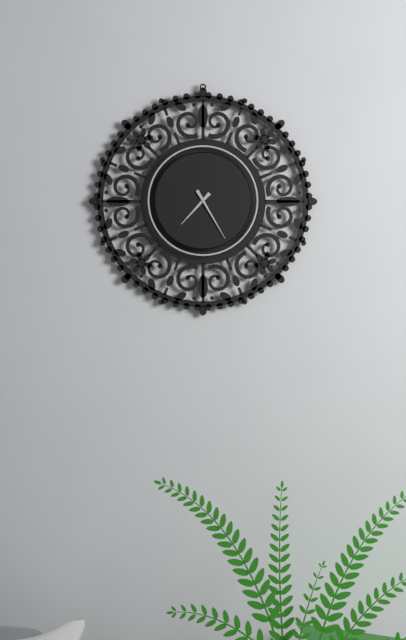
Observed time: 7.25
